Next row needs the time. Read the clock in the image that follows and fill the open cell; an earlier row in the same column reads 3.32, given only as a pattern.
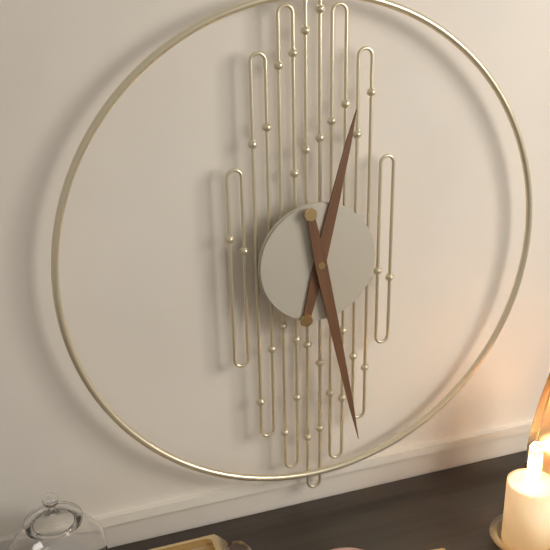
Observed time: 12.28
